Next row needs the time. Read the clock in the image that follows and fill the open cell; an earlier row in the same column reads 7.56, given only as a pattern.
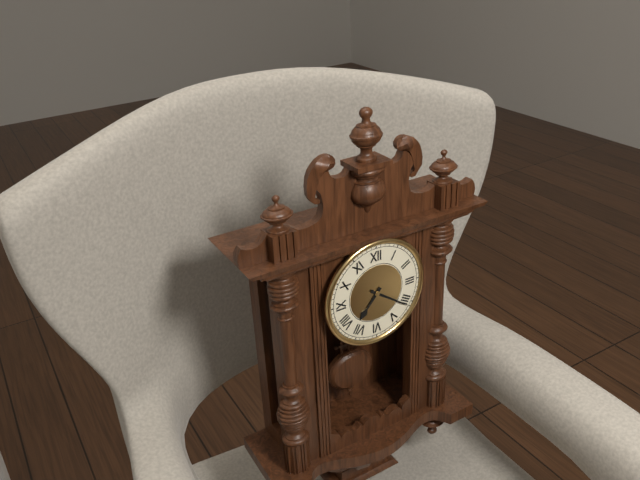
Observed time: 7.21
